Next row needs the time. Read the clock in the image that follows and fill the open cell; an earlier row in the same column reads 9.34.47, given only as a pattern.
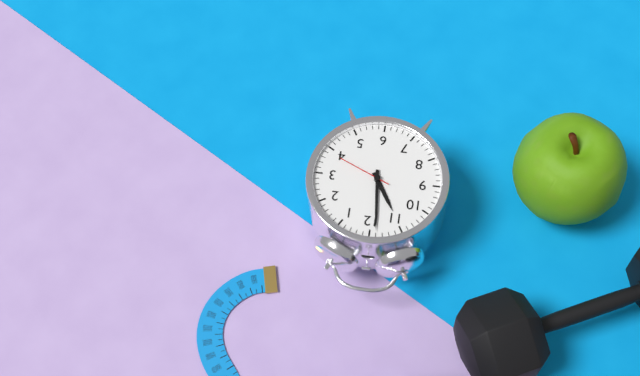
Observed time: 10.59.19
